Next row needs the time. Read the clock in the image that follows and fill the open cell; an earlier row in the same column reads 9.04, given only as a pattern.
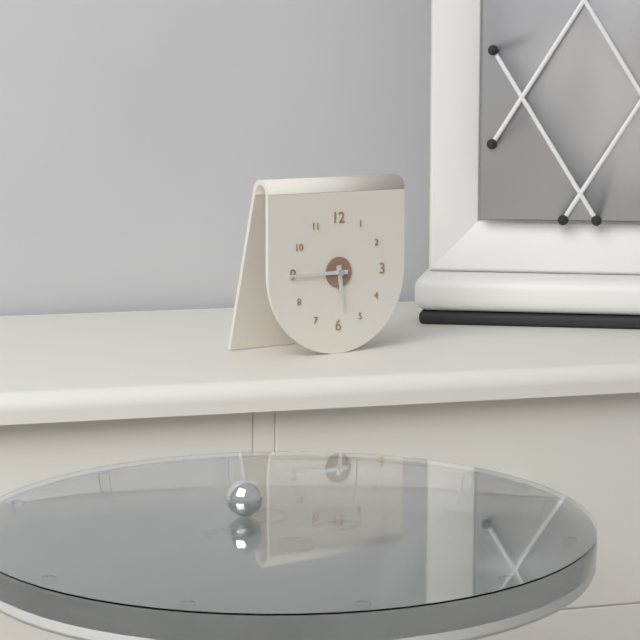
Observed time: 5.45
